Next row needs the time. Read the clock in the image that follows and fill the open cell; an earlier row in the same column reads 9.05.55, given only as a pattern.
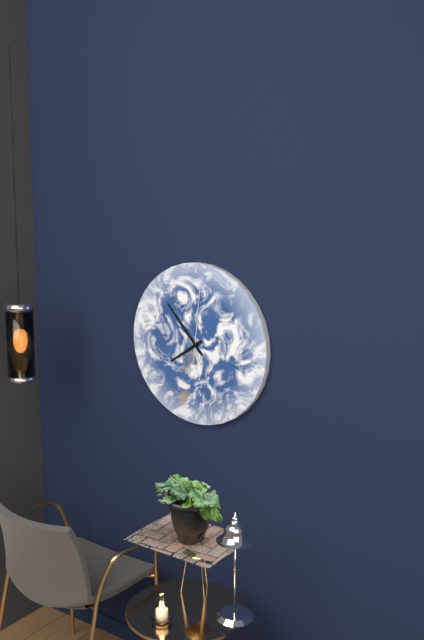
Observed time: 7.53.01
